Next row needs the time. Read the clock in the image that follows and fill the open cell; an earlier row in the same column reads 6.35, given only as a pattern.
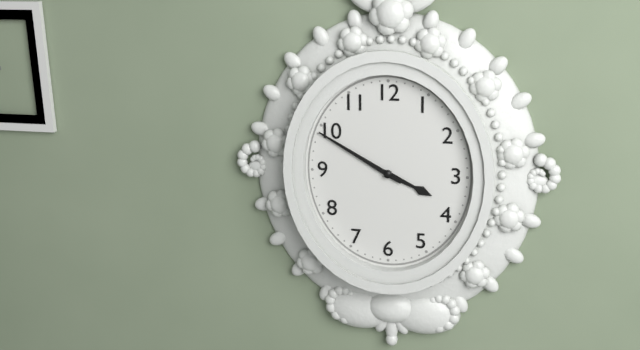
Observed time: 3.50
